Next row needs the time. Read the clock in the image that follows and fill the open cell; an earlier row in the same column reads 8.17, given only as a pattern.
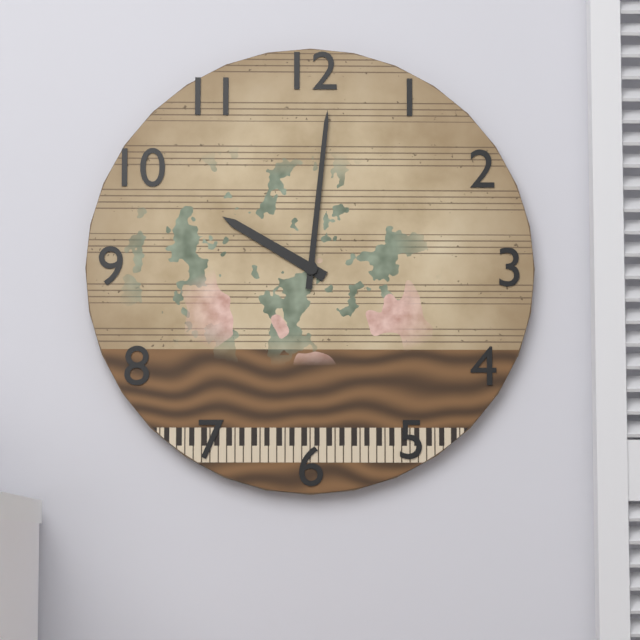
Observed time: 10.01
